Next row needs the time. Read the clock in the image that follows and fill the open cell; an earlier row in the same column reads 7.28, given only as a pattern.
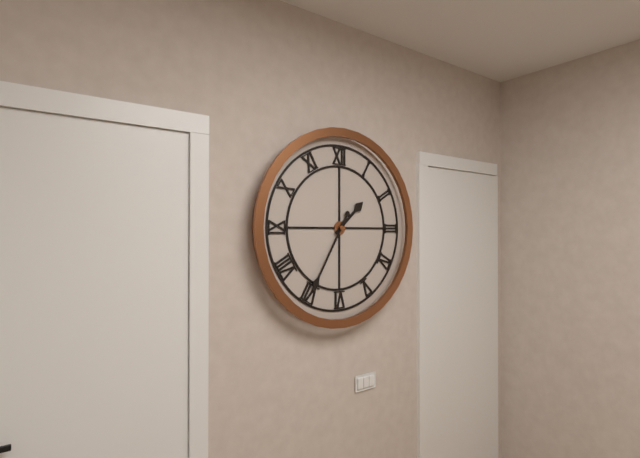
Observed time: 1.35
